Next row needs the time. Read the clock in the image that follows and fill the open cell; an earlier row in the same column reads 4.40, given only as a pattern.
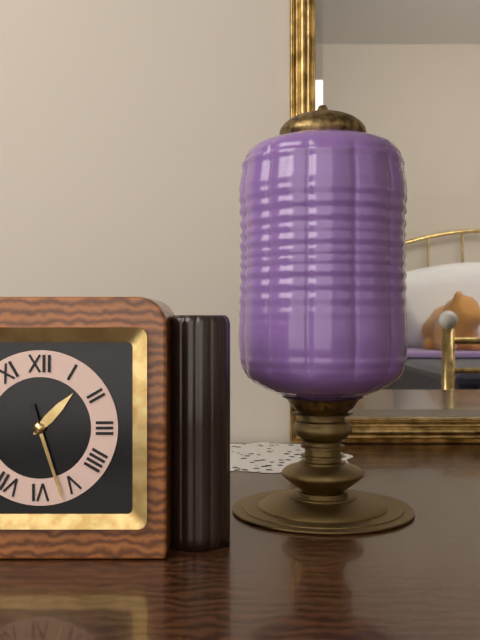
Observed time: 1.27
